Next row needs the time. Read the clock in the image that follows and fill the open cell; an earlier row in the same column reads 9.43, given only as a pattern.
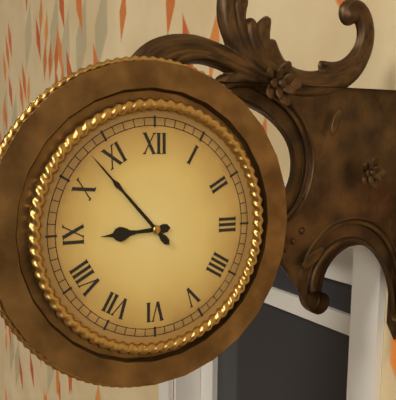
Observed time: 8.53
